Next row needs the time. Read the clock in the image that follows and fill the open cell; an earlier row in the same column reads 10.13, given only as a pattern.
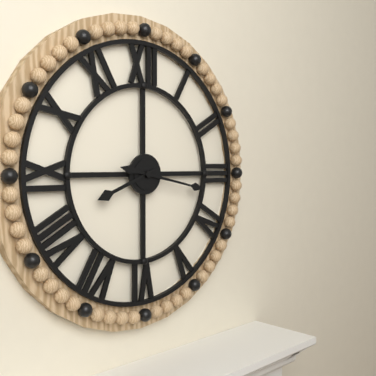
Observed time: 8.17
